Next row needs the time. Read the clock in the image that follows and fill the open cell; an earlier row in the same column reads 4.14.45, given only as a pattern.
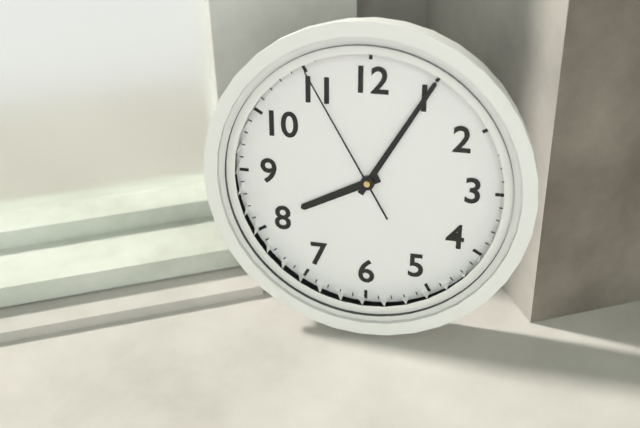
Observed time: 8.05.55
